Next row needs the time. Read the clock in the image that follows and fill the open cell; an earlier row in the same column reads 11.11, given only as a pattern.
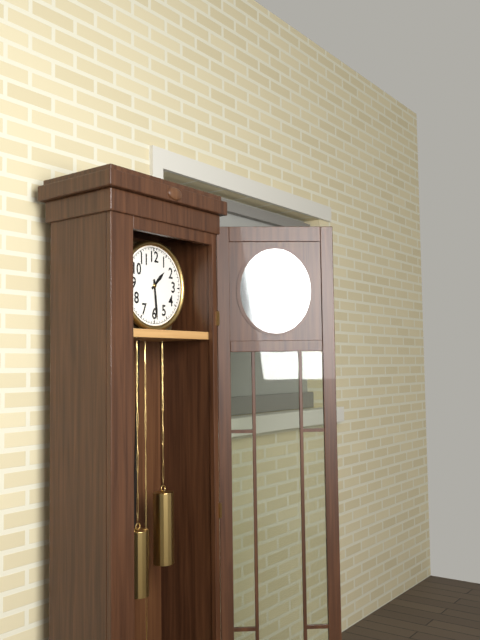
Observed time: 1.29
